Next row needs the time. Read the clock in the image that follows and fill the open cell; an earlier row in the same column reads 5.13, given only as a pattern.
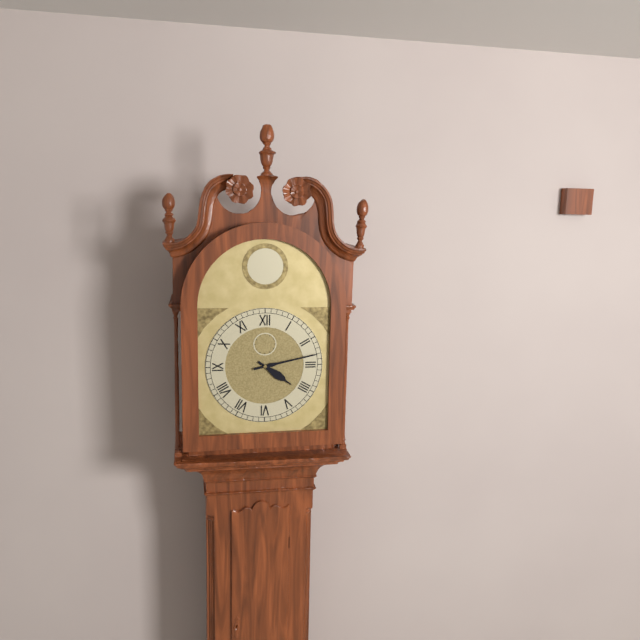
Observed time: 4.13
